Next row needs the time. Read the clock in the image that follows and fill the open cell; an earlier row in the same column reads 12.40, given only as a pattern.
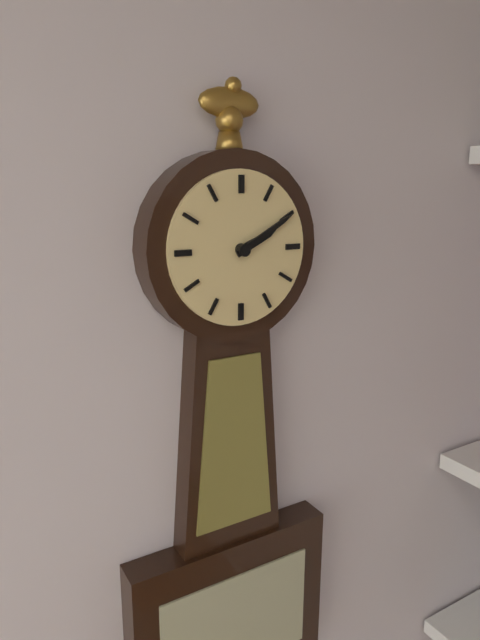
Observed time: 2.10
